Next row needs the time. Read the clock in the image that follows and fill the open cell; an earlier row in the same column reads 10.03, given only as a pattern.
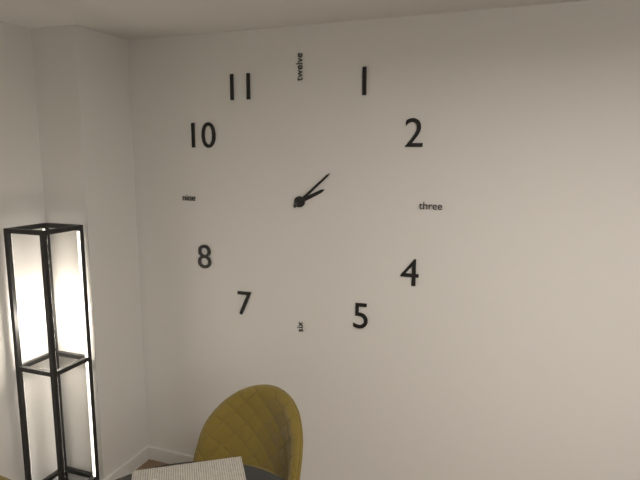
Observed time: 2.08
